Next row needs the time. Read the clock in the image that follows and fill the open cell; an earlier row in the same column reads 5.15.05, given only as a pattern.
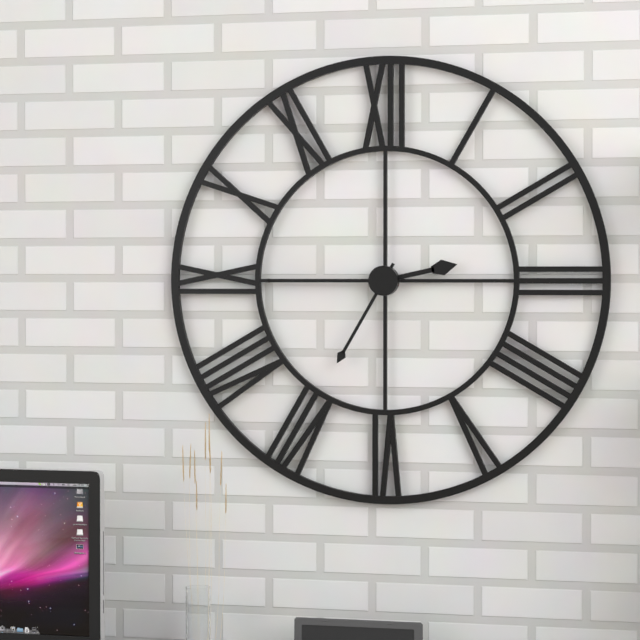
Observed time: 2.35.45
